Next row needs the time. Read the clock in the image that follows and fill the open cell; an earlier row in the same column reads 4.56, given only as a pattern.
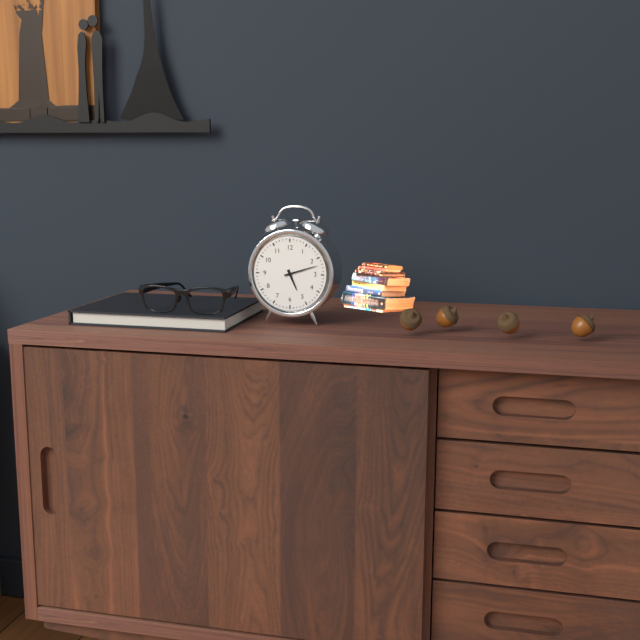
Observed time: 5.12
